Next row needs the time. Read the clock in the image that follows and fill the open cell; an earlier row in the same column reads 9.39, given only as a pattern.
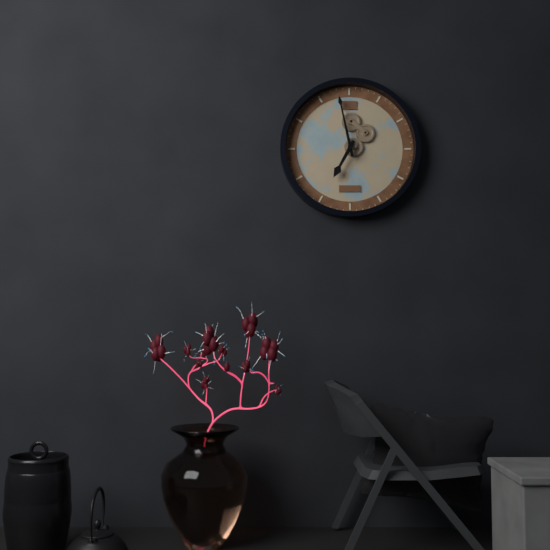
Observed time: 6.58
